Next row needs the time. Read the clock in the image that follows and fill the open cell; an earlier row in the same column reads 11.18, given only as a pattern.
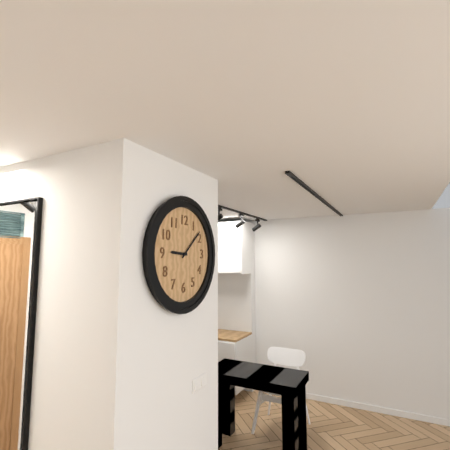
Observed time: 9.08
